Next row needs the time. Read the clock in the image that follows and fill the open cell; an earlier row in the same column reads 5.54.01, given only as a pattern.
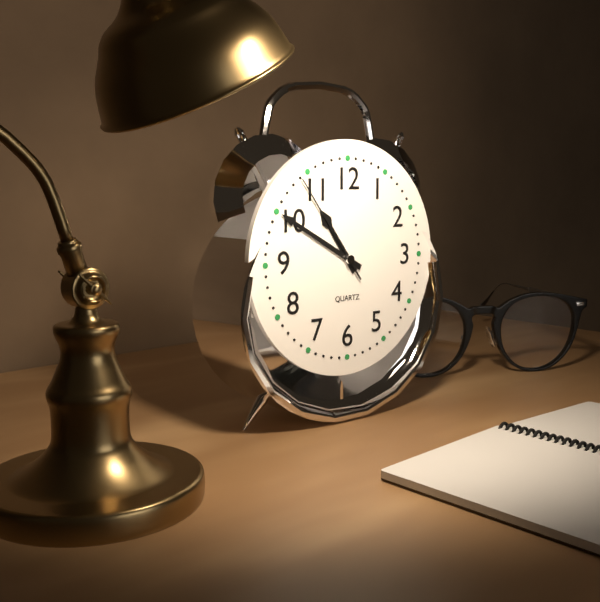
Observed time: 10.50.54
